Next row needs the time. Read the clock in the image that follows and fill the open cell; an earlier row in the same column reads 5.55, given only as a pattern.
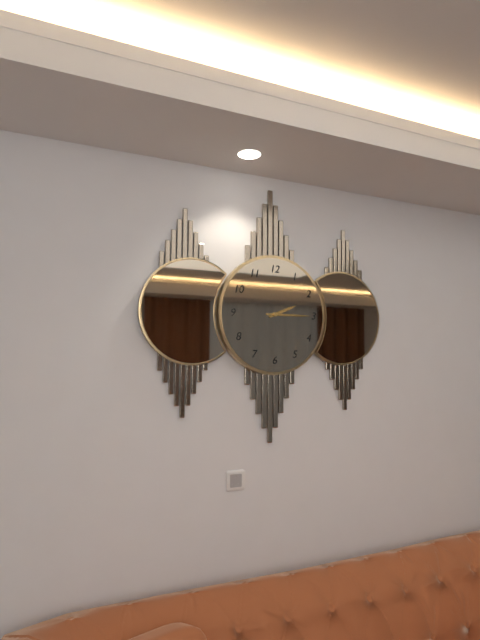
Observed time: 2.15
